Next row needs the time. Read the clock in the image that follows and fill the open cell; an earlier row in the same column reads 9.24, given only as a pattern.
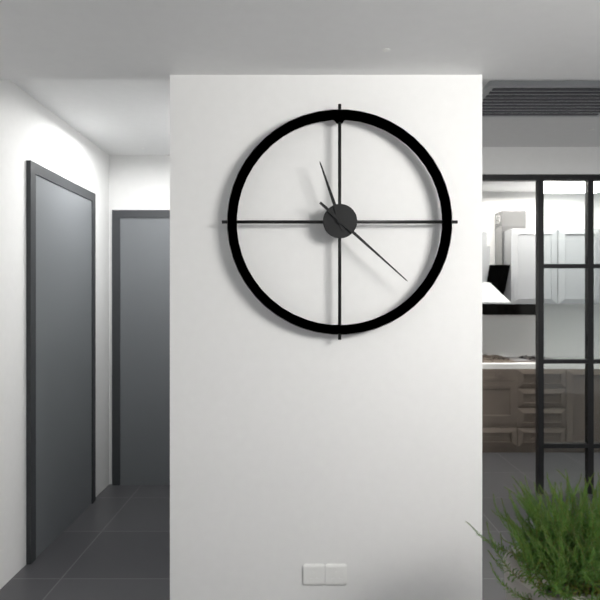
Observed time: 11.22
